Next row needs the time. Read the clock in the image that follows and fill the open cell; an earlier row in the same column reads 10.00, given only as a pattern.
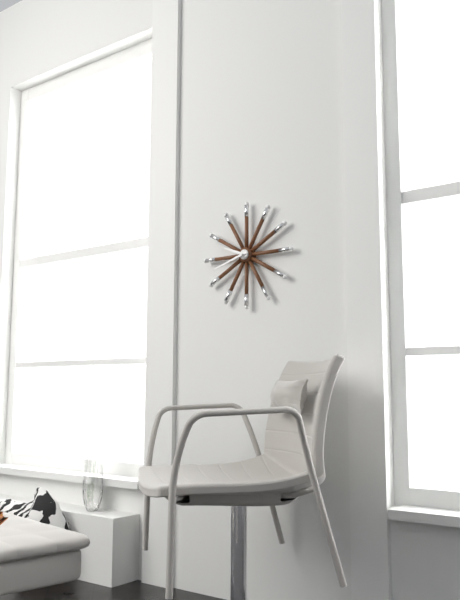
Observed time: 9.42
